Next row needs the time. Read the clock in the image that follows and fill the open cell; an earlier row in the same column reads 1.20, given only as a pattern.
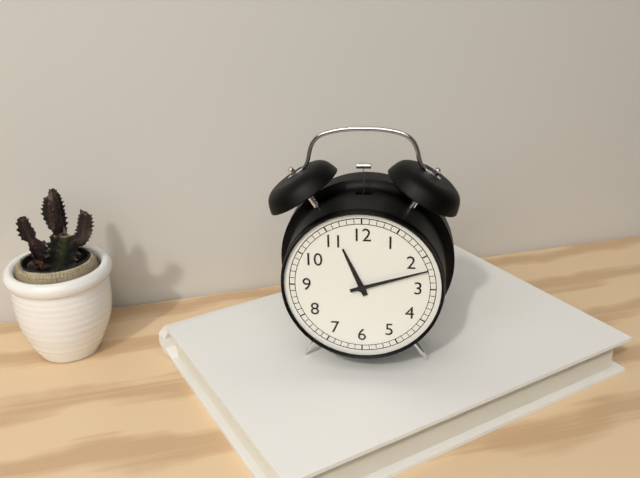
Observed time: 11.12
